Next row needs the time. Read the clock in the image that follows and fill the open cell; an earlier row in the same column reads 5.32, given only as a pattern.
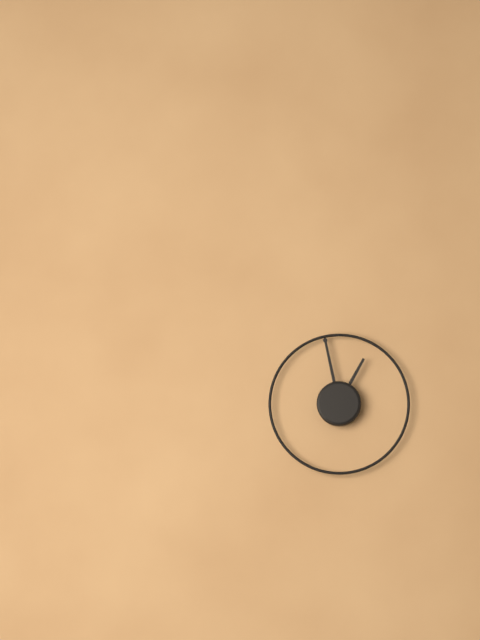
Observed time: 12.58
